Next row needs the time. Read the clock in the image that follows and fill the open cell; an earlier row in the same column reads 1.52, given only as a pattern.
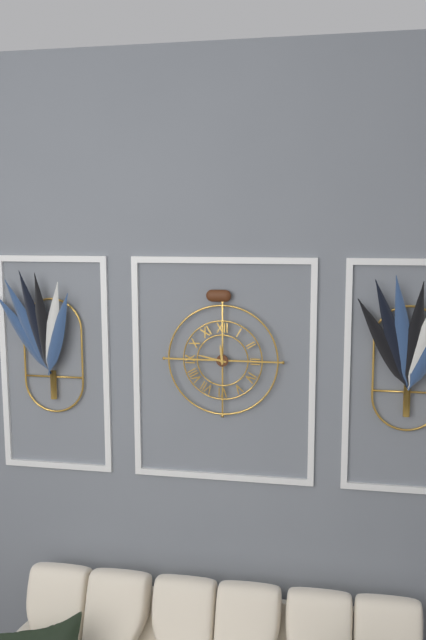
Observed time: 11.47
